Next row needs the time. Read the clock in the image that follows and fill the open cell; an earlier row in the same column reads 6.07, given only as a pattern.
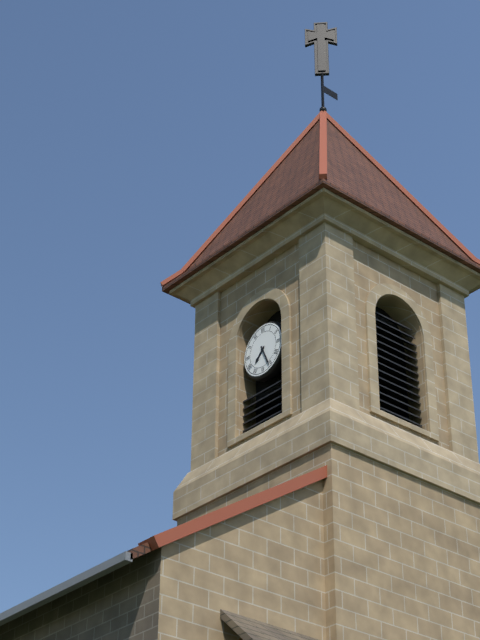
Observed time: 7.26
